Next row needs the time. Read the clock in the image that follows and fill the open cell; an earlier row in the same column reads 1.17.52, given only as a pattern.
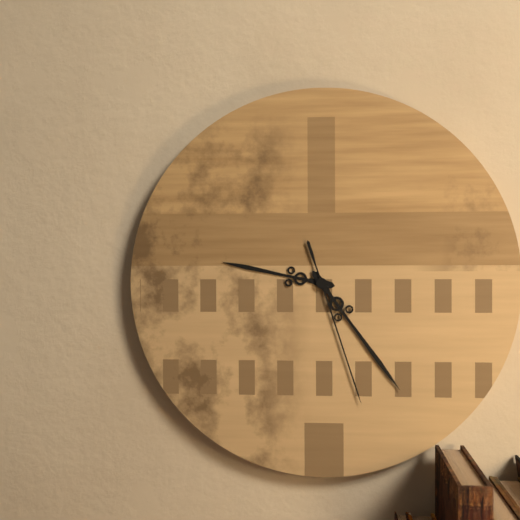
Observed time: 9.24.27
